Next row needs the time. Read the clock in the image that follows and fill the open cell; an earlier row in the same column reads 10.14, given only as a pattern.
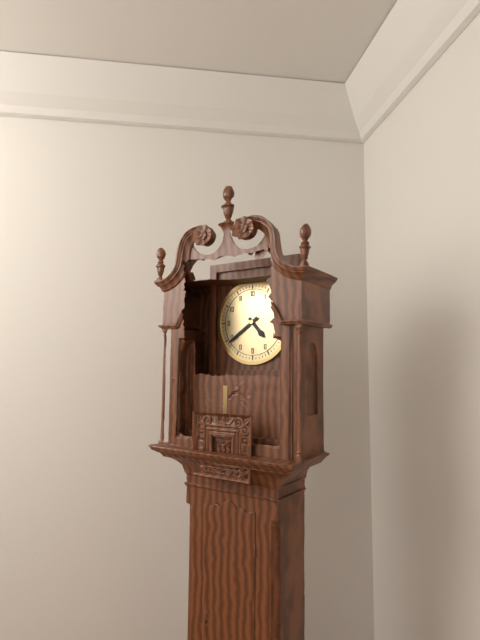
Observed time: 4.39
